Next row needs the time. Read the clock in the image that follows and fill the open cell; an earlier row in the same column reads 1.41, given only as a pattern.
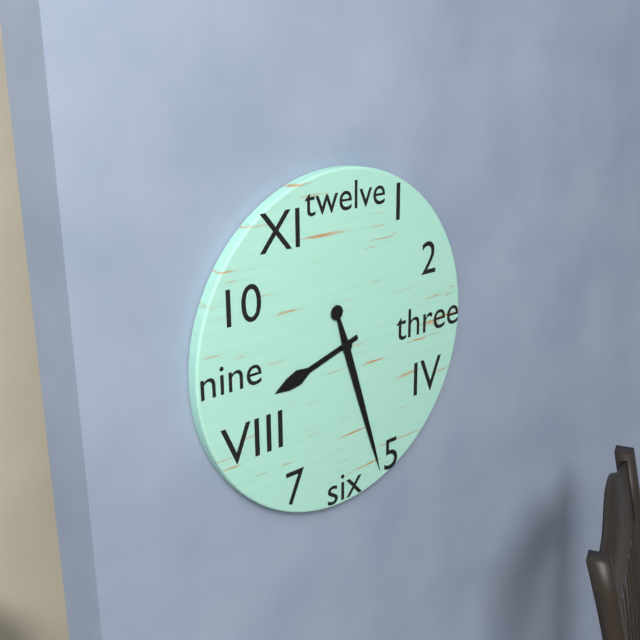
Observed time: 8.27
